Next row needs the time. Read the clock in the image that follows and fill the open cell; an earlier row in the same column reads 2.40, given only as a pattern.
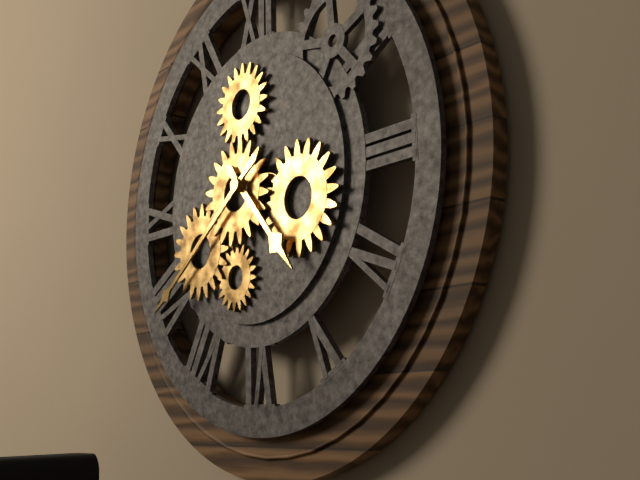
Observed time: 4.39
